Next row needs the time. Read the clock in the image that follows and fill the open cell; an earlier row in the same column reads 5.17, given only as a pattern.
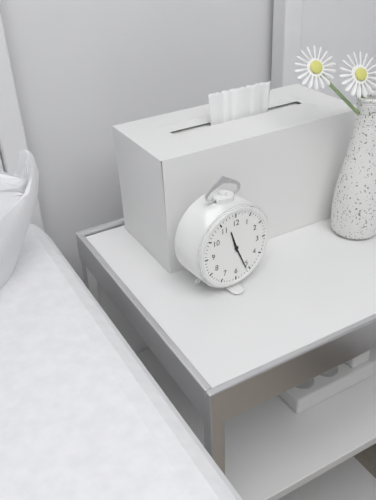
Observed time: 11.26
